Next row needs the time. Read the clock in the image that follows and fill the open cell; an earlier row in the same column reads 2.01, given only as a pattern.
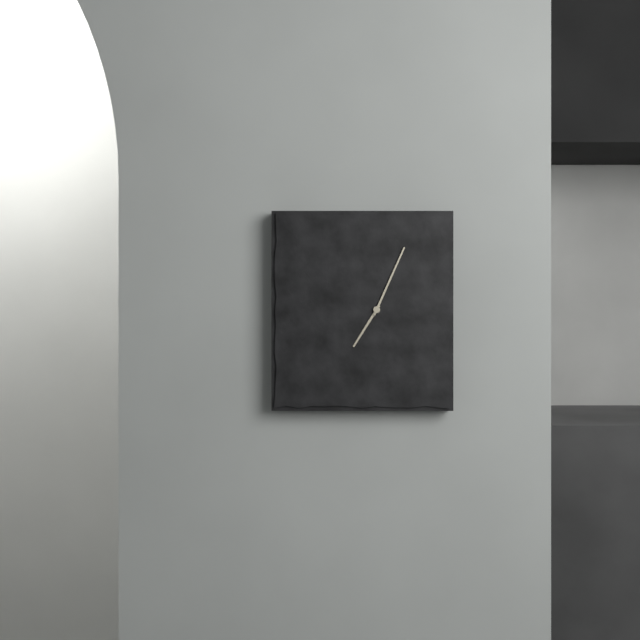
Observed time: 7.04
